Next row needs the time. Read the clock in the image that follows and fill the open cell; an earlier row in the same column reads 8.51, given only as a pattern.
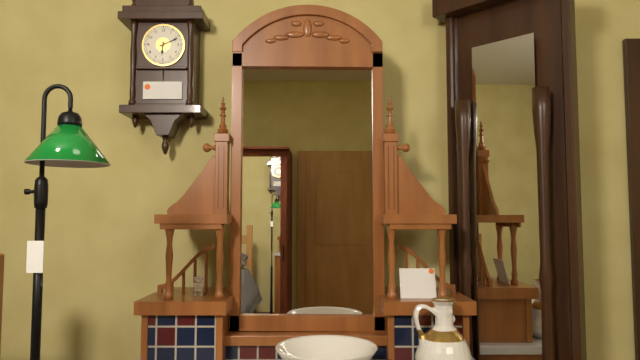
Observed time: 6.11
